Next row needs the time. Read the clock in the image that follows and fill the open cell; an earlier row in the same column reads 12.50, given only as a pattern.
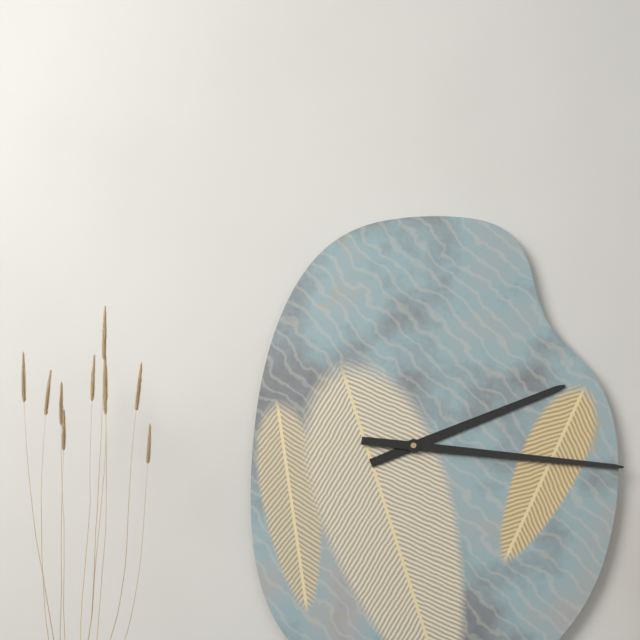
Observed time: 2.16
